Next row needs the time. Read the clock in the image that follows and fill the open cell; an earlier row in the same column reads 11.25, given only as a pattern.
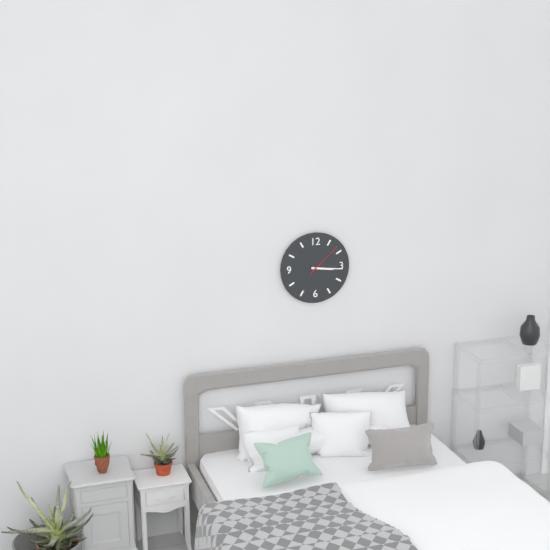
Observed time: 3.16
